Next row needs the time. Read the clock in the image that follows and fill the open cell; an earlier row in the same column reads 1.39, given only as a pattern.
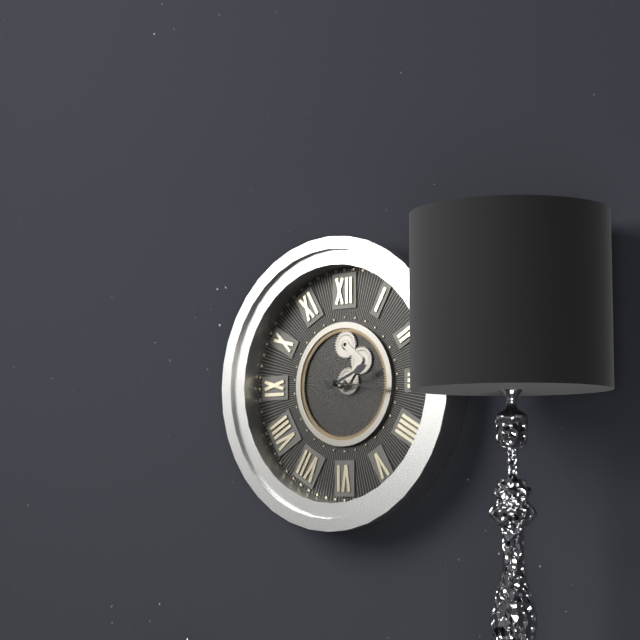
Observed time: 2.16
